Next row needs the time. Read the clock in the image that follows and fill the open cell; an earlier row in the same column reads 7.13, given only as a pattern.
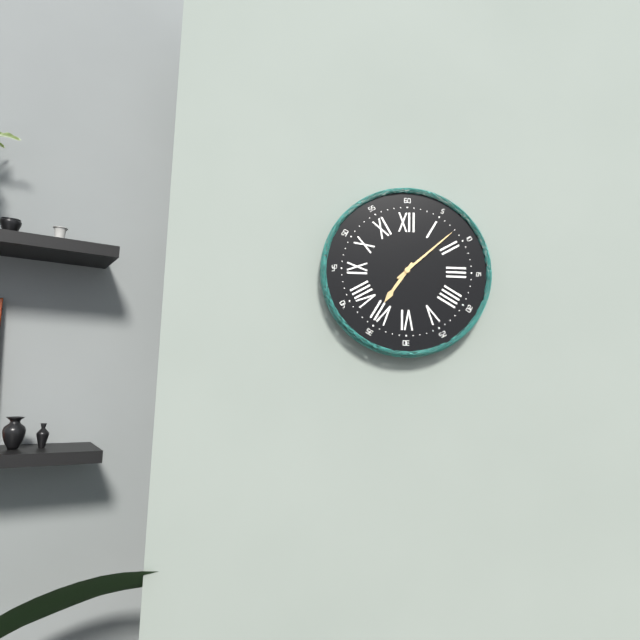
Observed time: 7.08
